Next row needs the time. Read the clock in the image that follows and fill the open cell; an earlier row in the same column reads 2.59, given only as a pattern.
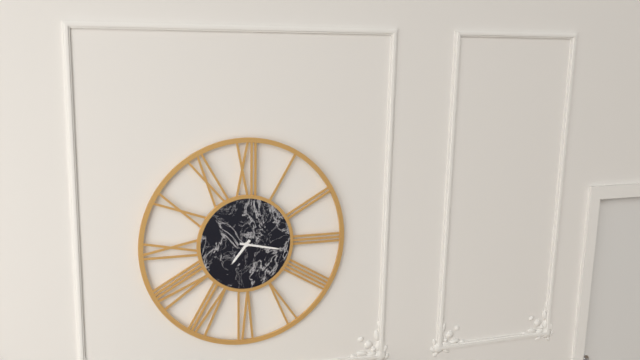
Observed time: 7.17
